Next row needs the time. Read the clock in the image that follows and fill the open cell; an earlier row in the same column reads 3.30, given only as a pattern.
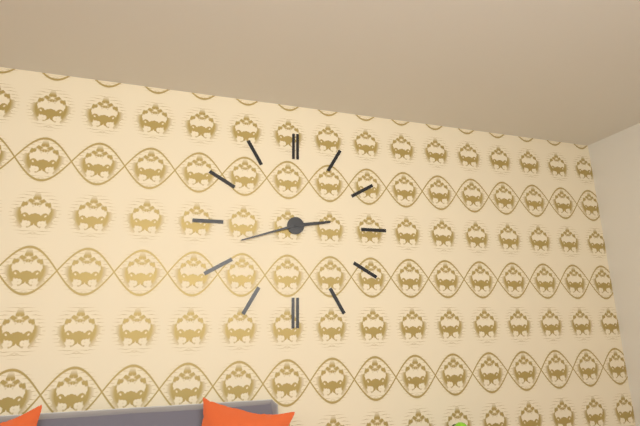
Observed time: 2.42
